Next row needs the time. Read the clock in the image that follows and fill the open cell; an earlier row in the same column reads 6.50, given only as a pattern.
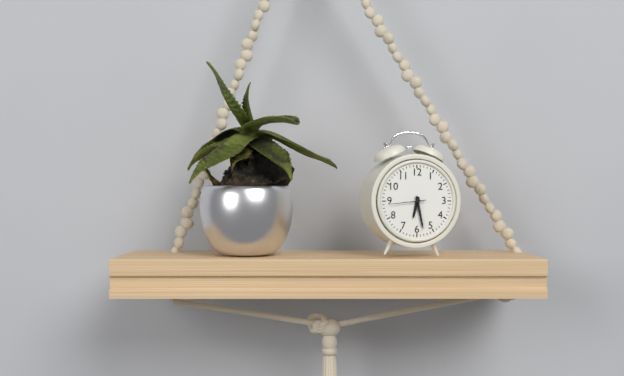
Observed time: 6.28
